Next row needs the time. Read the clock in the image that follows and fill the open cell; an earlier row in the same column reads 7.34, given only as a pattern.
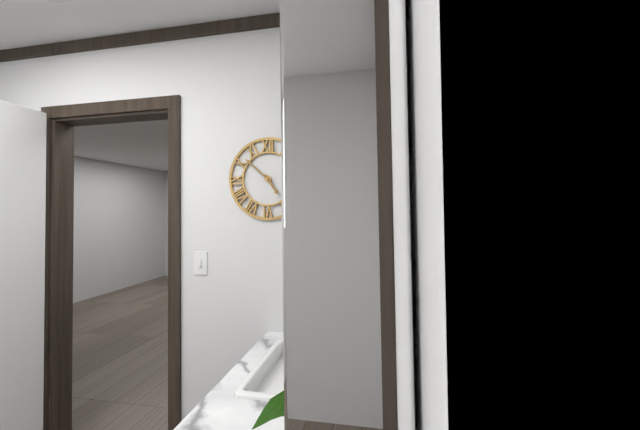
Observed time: 4.52
